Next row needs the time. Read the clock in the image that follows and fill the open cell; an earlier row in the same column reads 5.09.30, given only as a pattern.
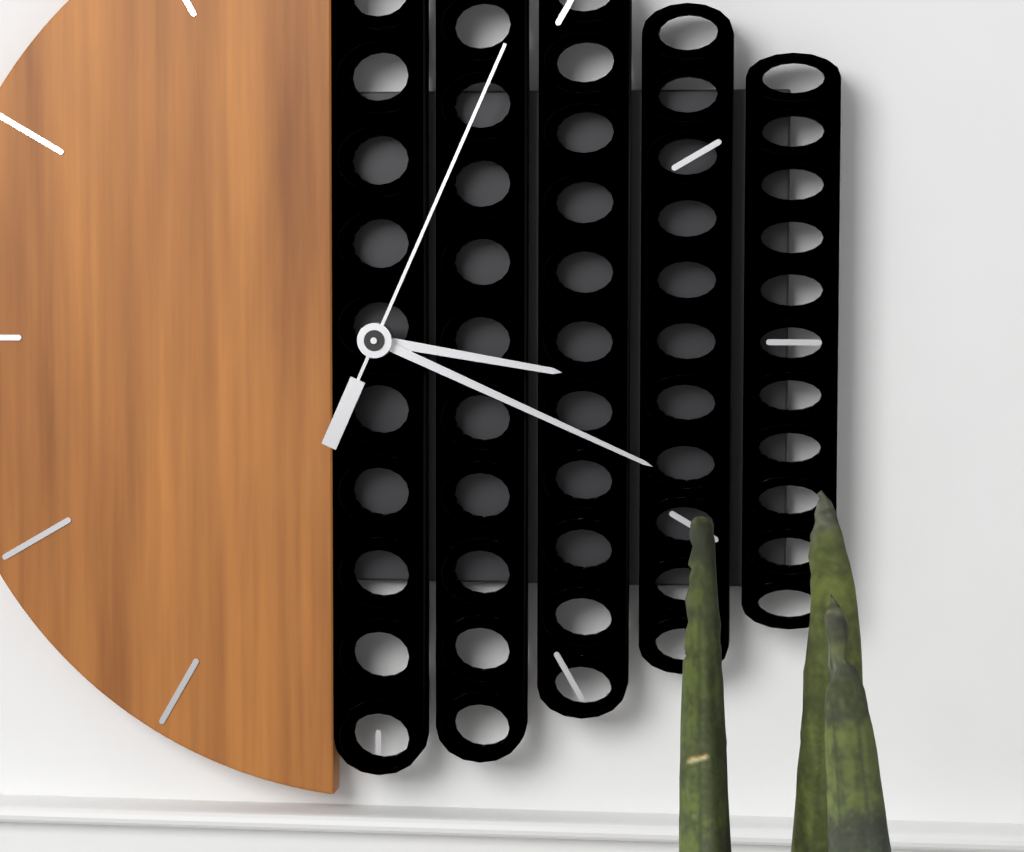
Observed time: 3.19.04
